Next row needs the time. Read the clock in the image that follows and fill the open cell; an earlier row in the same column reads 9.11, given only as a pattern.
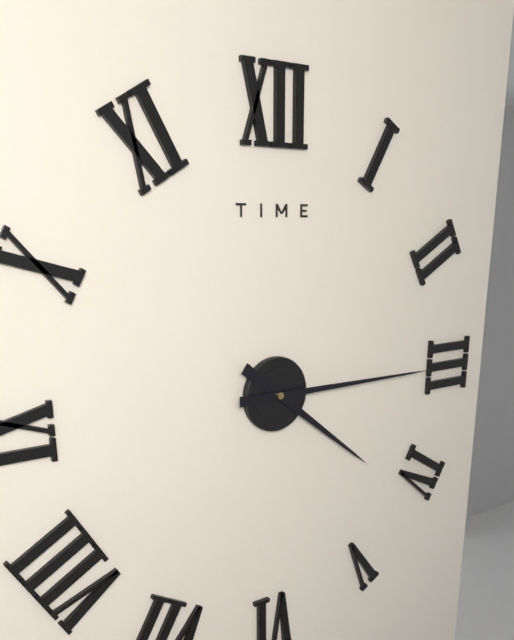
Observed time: 4.15
